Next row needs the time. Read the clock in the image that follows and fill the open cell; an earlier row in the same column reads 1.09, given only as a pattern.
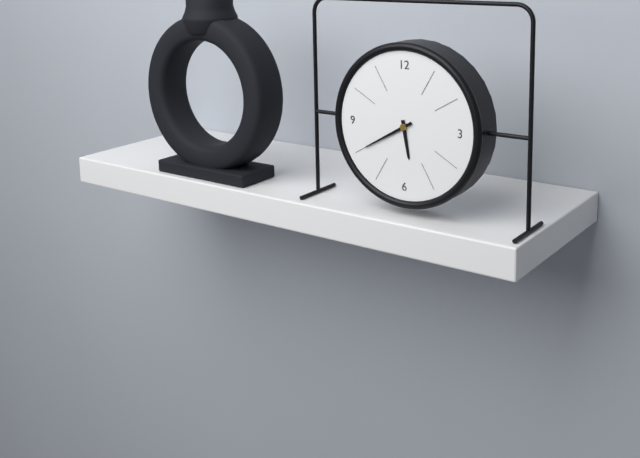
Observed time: 5.40
